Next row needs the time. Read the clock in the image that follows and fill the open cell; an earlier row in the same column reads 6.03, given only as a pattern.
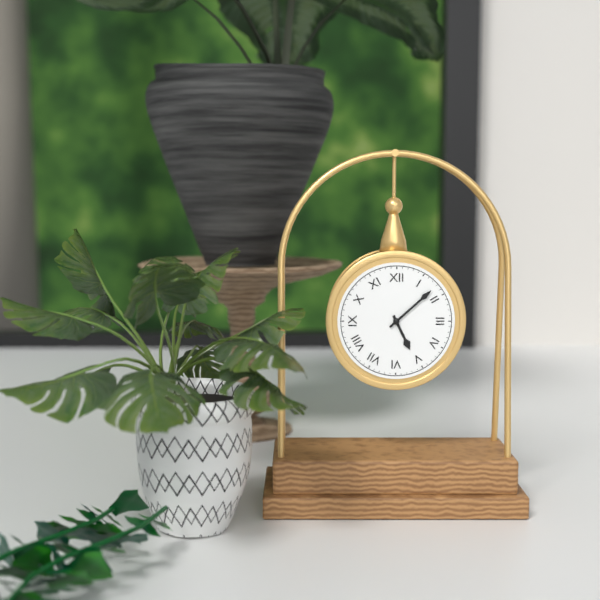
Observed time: 5.08
